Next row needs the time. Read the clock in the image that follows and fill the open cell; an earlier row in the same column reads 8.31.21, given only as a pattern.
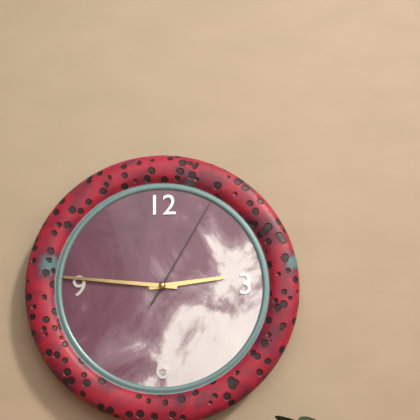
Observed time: 2.46.05
